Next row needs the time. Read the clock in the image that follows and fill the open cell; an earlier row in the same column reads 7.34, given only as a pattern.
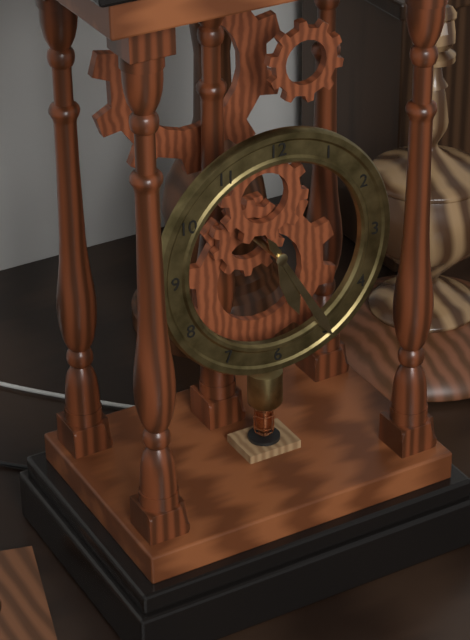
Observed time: 5.25
